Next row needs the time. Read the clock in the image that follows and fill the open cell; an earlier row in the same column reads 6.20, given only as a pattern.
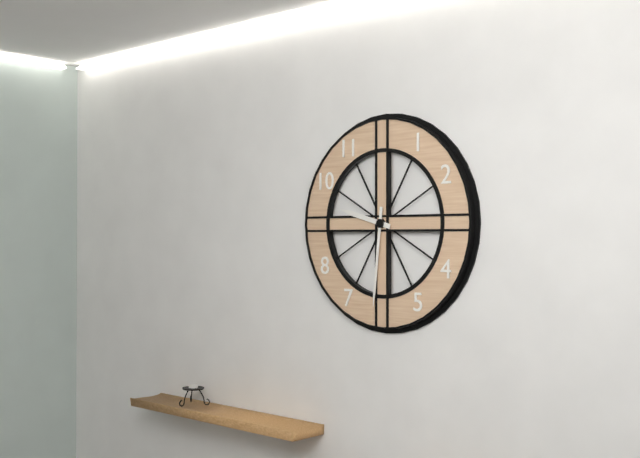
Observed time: 9.31
